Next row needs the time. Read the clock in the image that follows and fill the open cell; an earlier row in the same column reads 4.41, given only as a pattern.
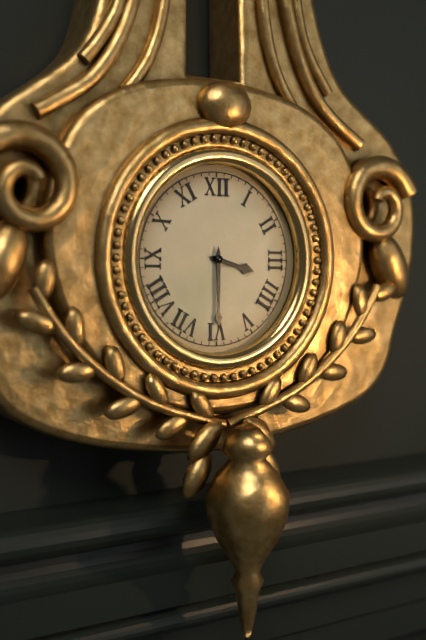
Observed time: 3.30
